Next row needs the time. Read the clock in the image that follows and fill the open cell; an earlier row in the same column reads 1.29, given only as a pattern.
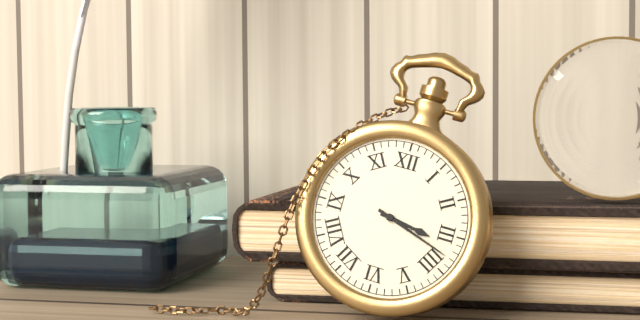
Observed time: 3.18
